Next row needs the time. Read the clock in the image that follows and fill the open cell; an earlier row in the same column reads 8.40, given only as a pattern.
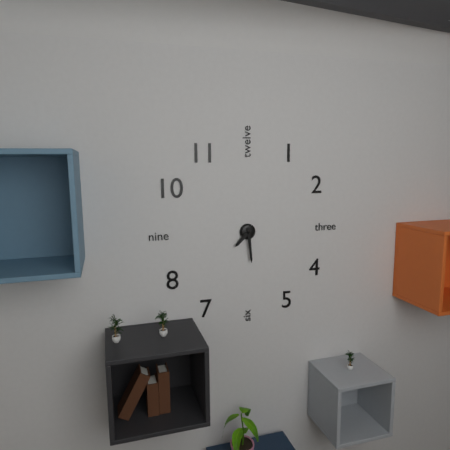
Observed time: 7.29
